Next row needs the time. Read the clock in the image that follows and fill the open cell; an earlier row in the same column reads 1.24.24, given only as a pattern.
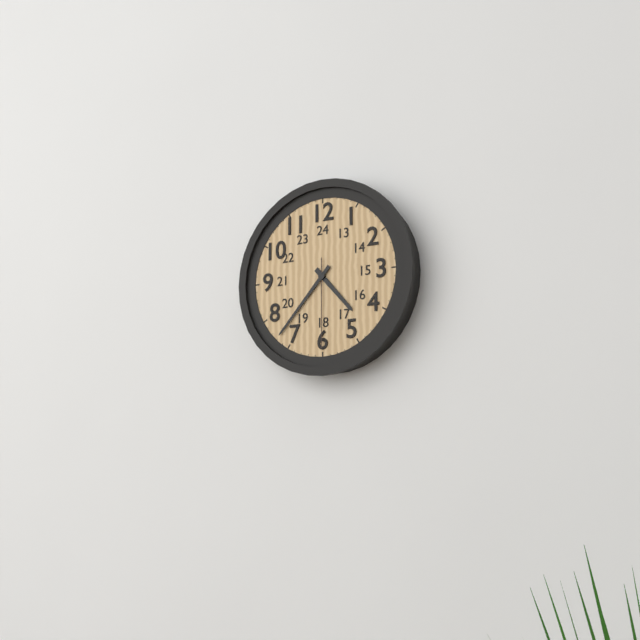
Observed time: 4.37.30
